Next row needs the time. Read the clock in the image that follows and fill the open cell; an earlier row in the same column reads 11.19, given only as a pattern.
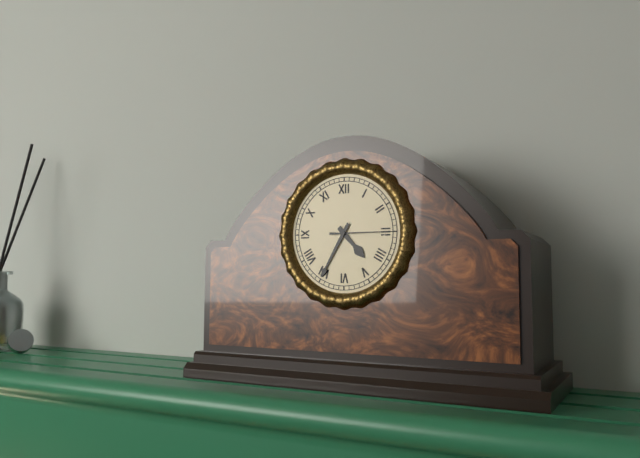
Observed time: 4.35
